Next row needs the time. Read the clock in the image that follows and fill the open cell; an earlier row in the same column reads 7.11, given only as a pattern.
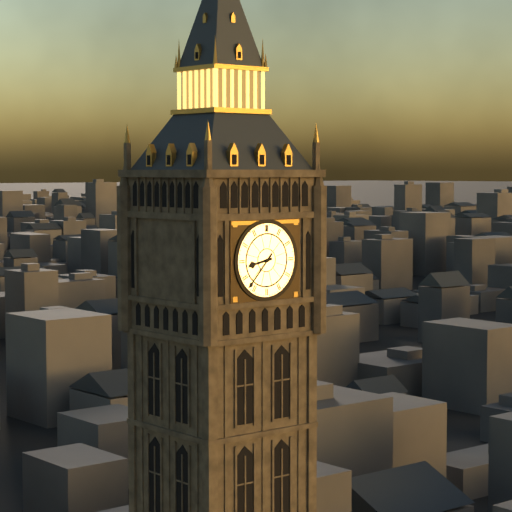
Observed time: 8.37
